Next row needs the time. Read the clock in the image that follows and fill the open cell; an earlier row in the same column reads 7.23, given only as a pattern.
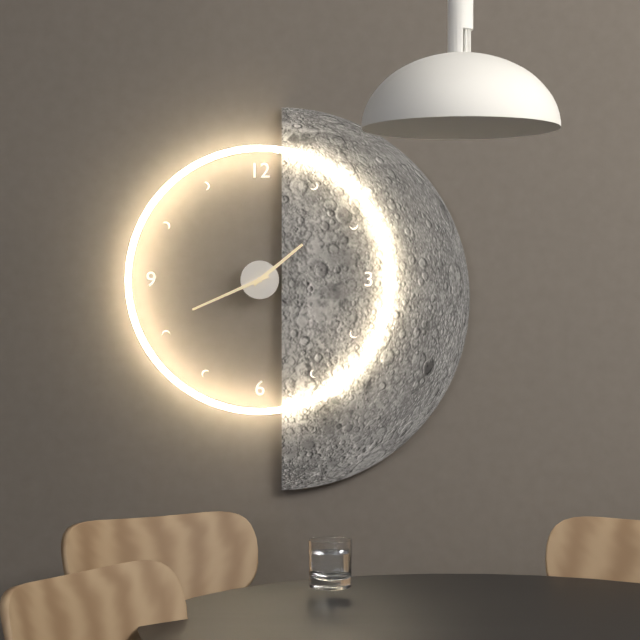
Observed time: 1.41
